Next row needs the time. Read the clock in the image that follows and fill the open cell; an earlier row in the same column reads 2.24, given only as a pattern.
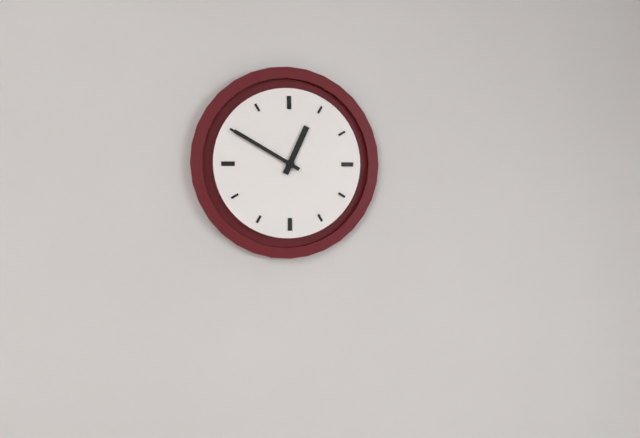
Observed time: 12.50
